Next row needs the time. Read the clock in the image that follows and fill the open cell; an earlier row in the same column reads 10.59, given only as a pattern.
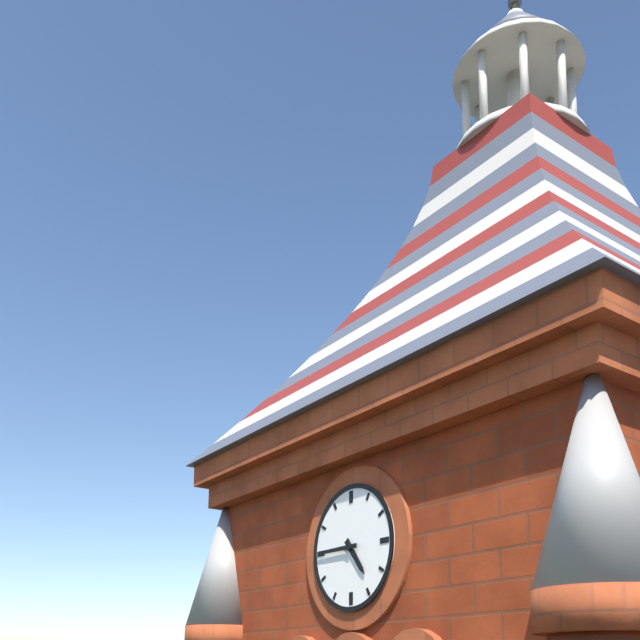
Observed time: 4.45
